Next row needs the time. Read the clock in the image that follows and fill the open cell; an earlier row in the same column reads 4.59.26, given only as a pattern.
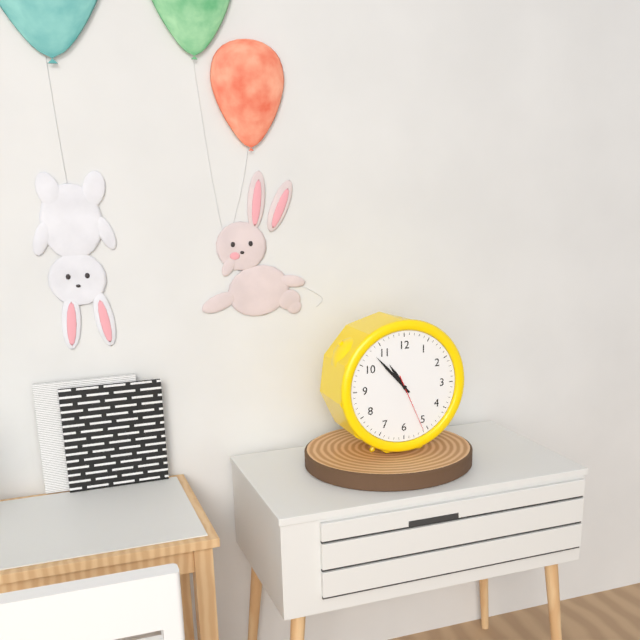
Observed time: 10.53.26
